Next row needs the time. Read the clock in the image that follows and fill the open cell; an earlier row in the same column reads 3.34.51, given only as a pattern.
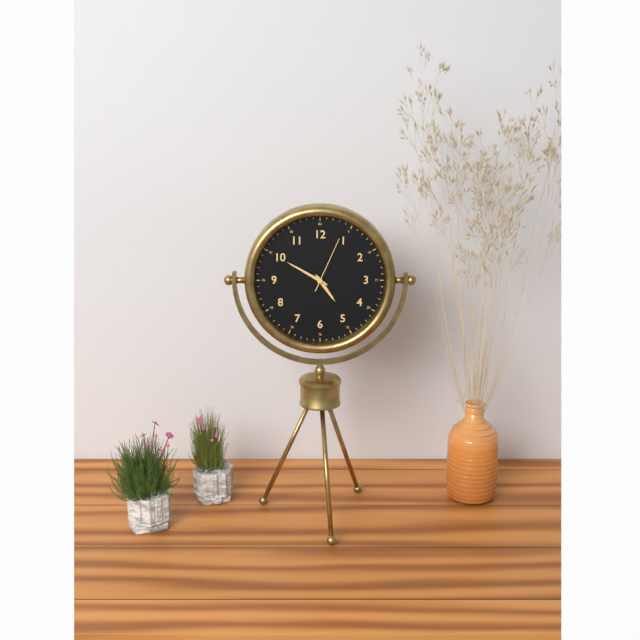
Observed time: 4.50.04
